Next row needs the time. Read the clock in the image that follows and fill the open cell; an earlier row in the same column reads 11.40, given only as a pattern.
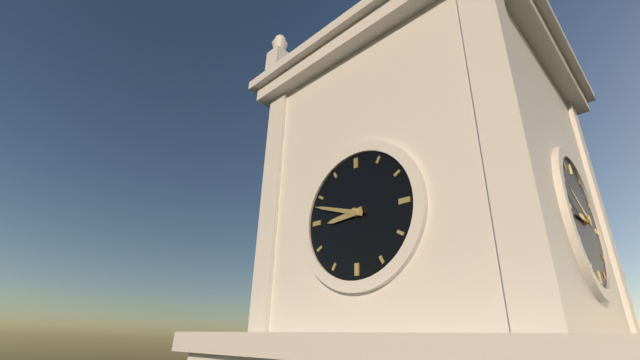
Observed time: 8.48
